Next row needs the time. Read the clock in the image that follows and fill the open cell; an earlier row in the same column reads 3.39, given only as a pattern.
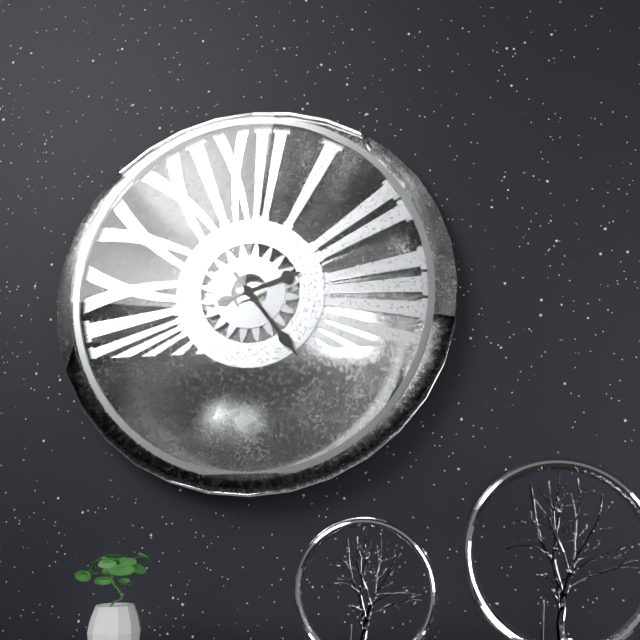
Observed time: 2.24
